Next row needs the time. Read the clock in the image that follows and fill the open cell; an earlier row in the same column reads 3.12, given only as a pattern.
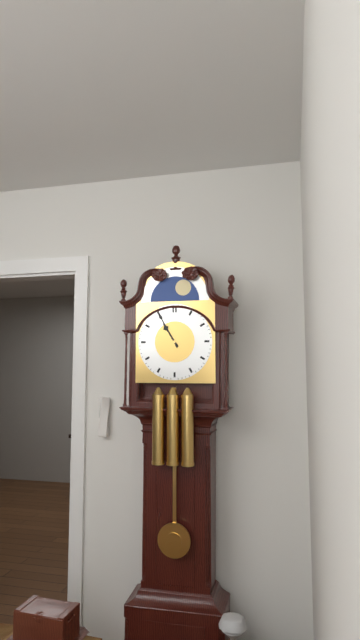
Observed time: 10.55
